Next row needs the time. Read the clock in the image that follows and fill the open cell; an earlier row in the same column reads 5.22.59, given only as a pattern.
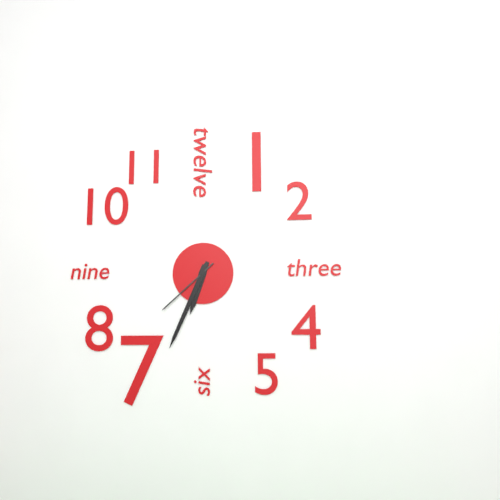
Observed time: 6.34.38
